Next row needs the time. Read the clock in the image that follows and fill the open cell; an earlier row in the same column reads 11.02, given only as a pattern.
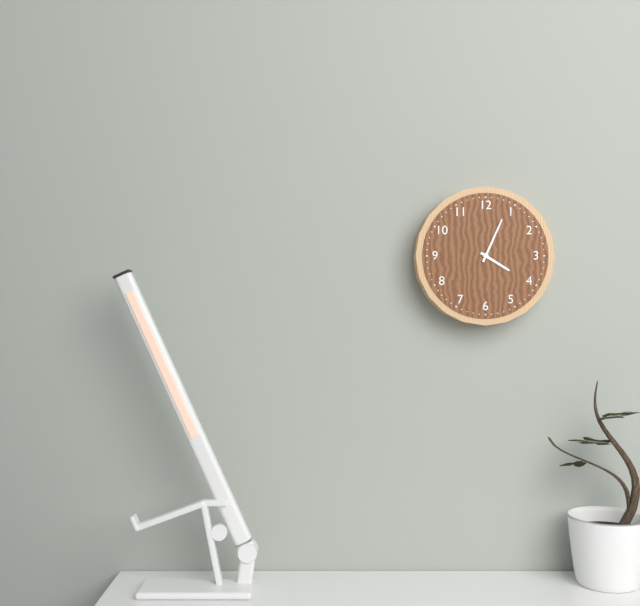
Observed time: 4.04
